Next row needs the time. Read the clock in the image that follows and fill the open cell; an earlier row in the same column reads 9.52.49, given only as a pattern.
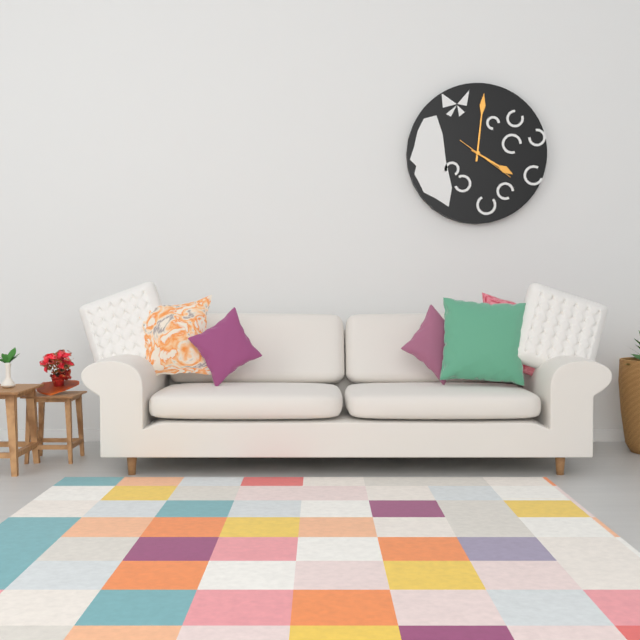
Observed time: 4.01.21
